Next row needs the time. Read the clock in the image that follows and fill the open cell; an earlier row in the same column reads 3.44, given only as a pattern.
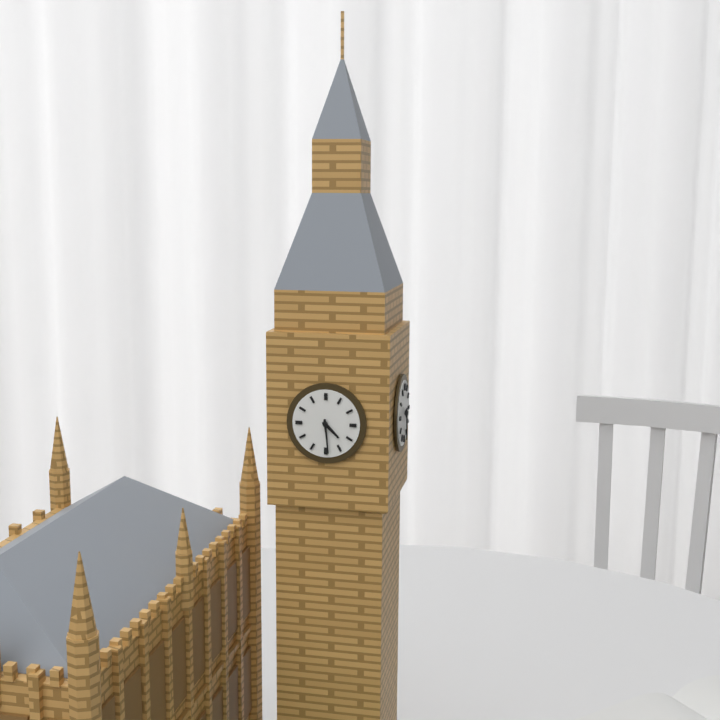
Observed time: 4.29
